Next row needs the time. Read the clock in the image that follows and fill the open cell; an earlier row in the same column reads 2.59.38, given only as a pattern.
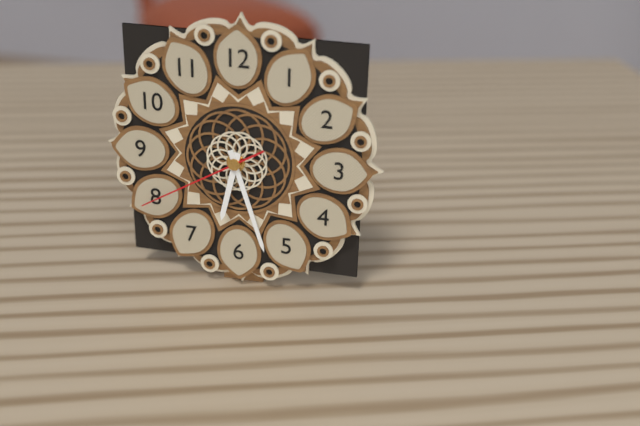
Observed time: 6.27.40
